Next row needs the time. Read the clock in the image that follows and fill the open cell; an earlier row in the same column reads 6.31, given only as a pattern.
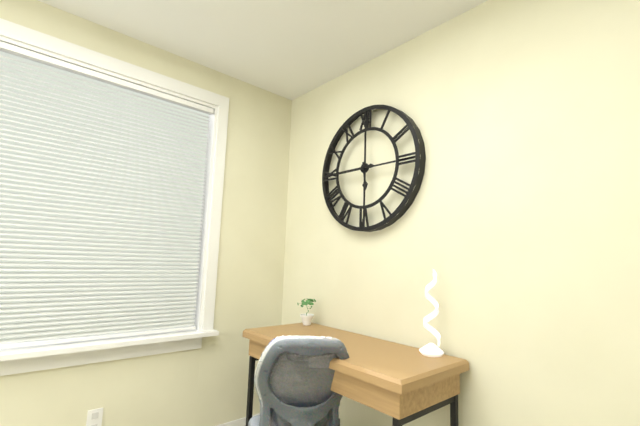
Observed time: 5.45
